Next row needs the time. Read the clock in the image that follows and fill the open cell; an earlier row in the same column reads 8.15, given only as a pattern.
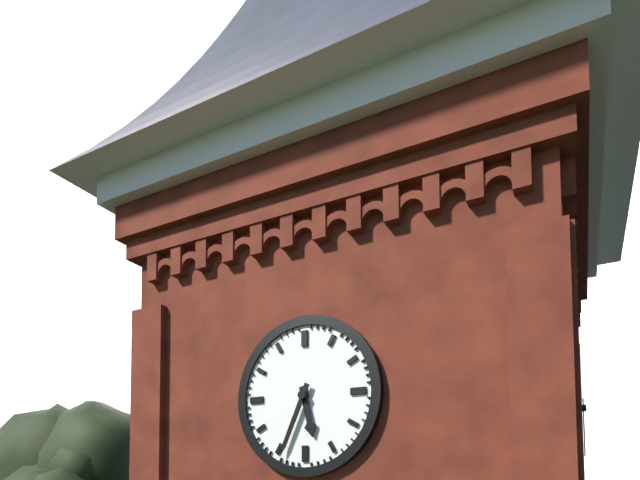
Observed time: 5.34
